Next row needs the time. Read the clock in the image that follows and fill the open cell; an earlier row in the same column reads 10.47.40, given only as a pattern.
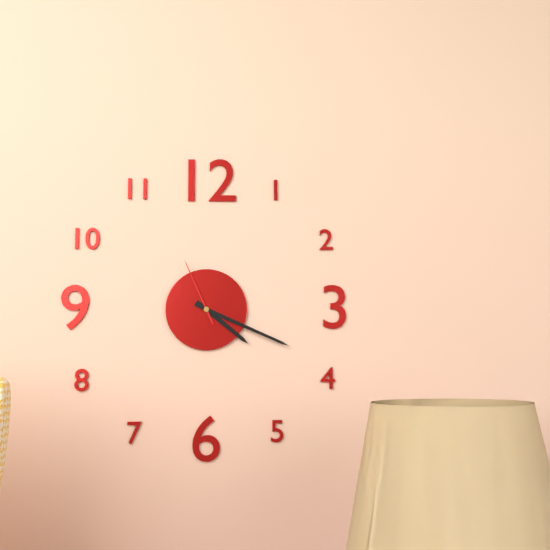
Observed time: 4.19.56
